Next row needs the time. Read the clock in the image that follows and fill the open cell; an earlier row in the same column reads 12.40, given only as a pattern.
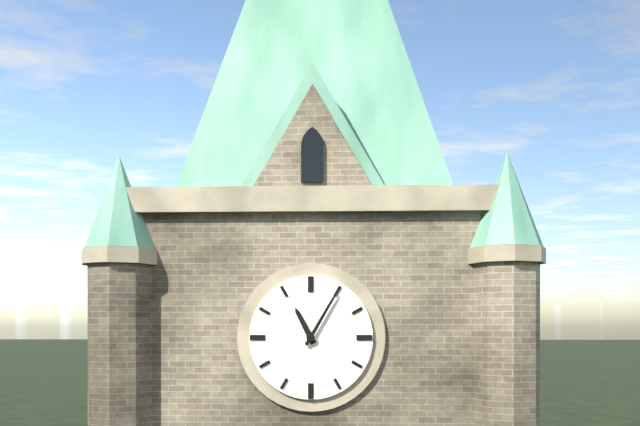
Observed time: 11.05
